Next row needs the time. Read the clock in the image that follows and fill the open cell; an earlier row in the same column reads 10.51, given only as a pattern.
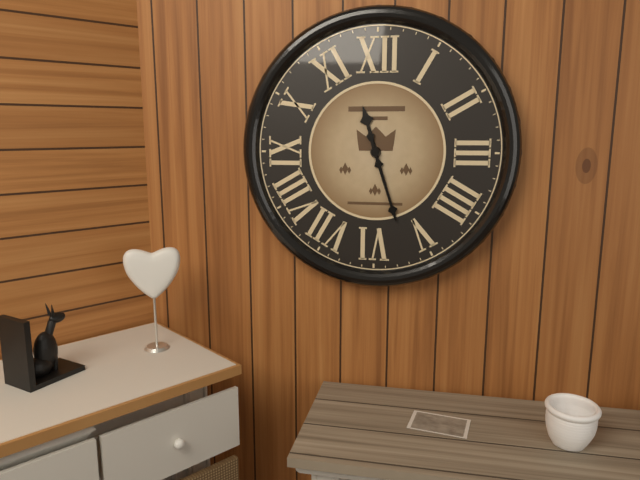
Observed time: 11.27
